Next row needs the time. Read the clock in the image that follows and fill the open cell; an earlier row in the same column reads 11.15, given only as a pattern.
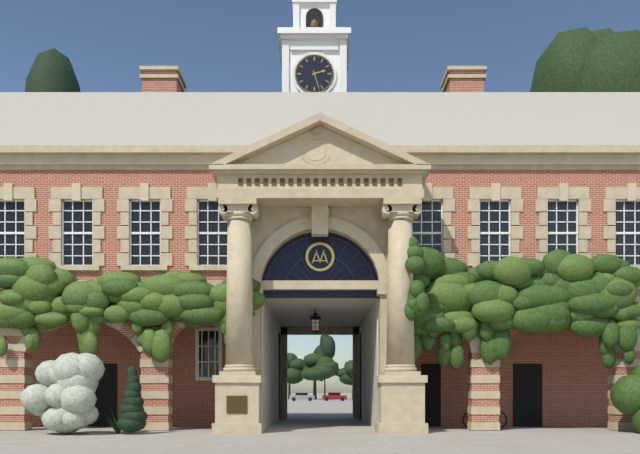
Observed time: 2.27
